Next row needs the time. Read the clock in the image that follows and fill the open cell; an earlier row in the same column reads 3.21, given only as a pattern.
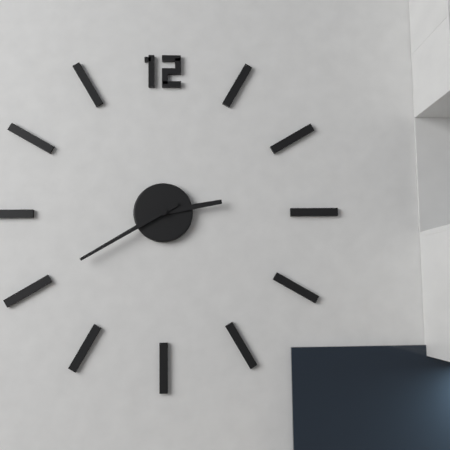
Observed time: 2.40
